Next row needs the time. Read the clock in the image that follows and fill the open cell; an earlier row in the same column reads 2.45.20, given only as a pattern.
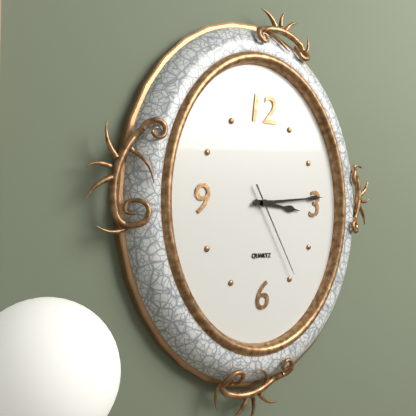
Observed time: 3.14.25
